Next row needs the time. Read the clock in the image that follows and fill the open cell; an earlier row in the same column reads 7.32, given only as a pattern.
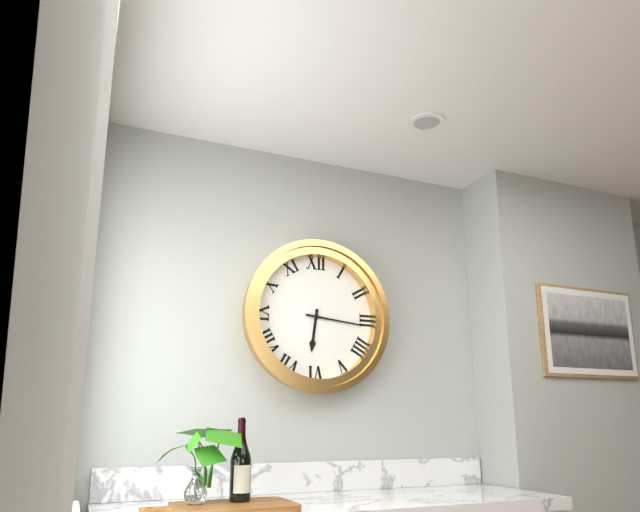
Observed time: 6.16
